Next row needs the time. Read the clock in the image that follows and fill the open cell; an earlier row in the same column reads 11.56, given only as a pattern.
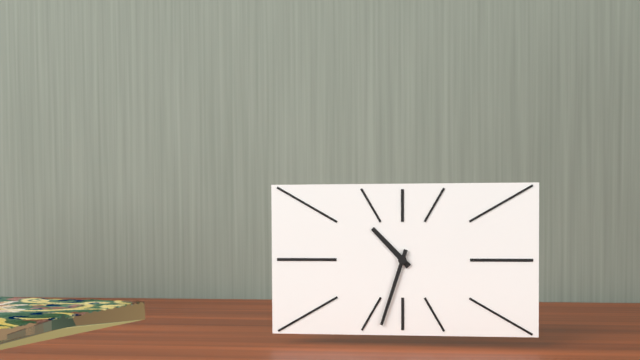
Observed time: 10.33
